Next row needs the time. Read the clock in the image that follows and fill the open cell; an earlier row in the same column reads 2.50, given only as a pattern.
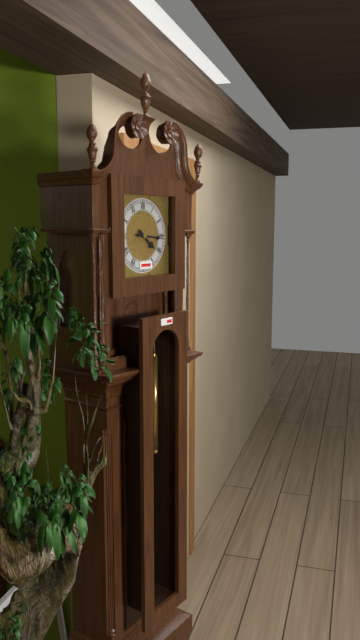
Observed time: 4.16
